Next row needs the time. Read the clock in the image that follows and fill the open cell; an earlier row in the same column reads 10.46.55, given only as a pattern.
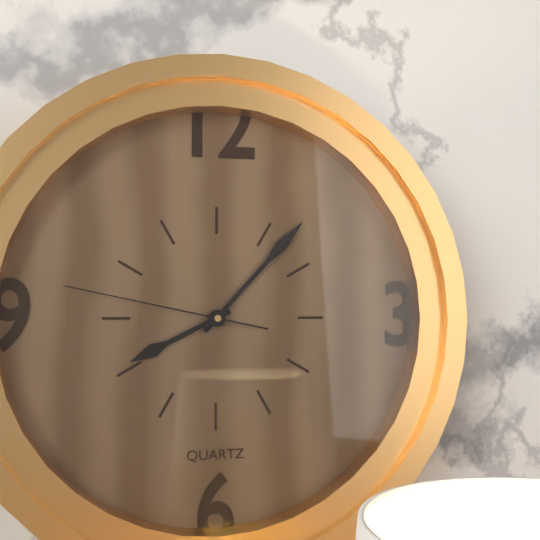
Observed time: 8.07.47
